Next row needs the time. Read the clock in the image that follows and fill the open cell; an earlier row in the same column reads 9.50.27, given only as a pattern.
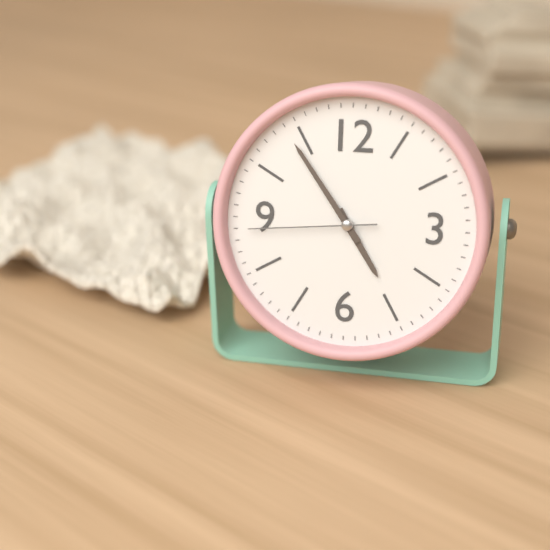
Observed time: 4.54.44
